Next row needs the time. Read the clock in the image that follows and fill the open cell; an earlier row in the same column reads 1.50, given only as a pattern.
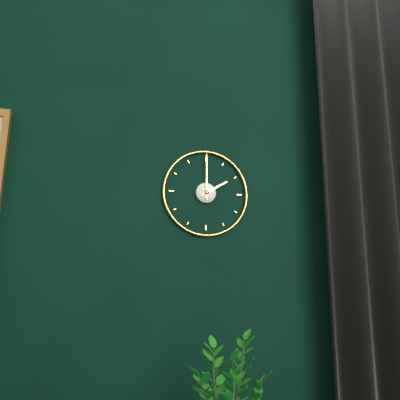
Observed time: 2.00
